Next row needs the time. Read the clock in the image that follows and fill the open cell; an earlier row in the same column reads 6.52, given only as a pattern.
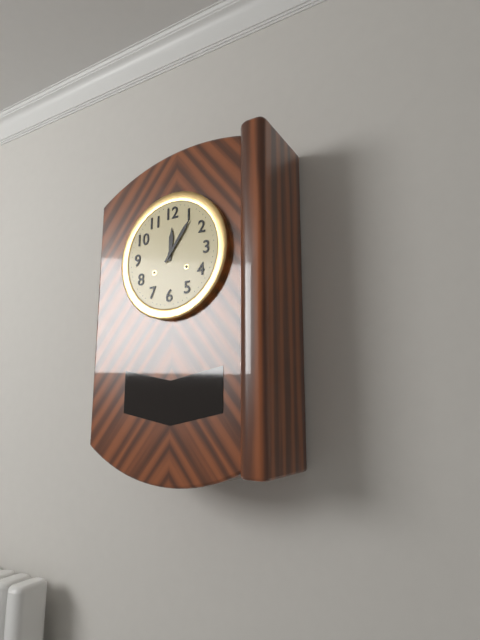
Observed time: 12.06
